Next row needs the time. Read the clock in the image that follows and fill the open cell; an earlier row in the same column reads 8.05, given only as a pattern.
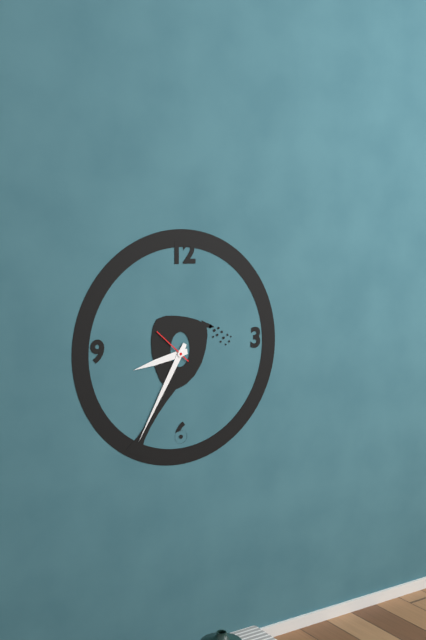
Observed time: 8.35
